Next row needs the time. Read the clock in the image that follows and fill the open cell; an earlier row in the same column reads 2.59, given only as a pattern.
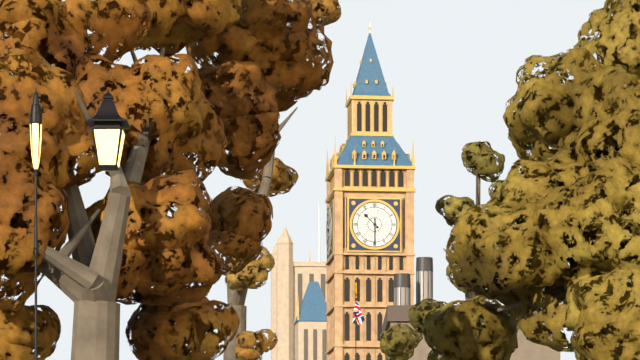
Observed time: 10.30
